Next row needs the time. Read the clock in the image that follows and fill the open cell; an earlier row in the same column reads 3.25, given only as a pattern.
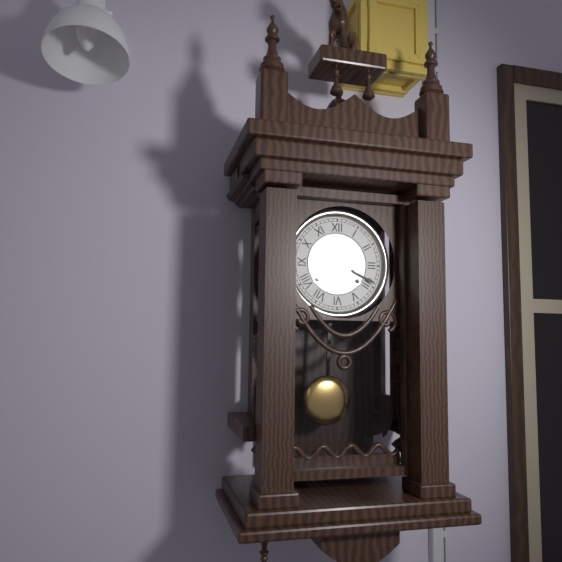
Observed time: 7.19
